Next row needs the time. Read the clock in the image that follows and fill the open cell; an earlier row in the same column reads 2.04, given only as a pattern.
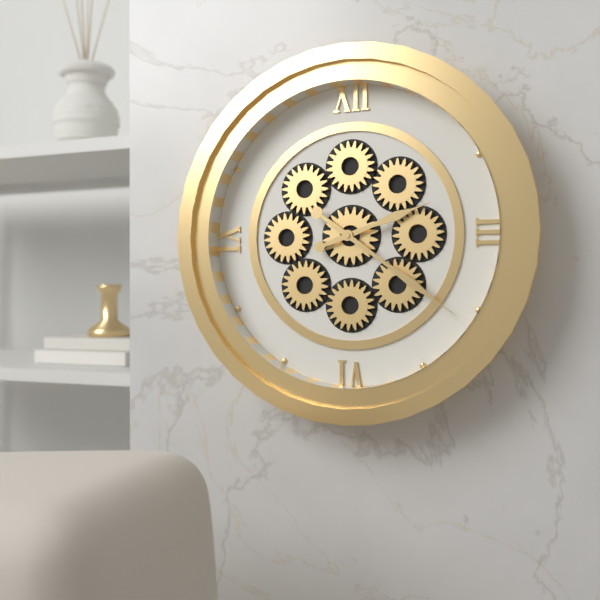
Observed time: 2.21
